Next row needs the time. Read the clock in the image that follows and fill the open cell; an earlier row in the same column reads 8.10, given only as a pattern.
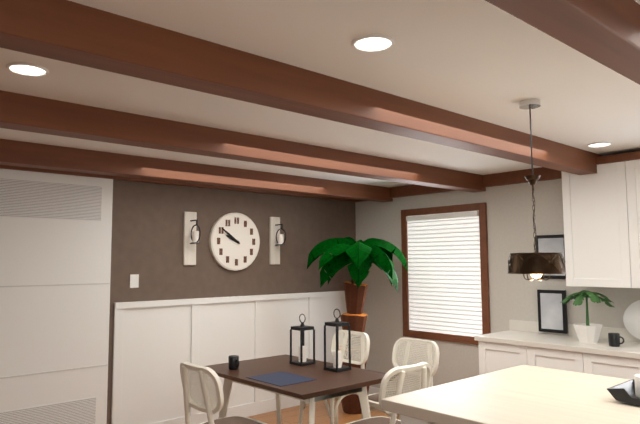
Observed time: 9.51
